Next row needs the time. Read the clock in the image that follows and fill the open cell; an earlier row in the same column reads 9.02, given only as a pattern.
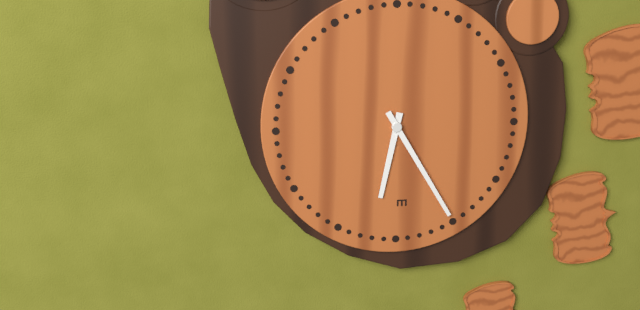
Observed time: 6.25
